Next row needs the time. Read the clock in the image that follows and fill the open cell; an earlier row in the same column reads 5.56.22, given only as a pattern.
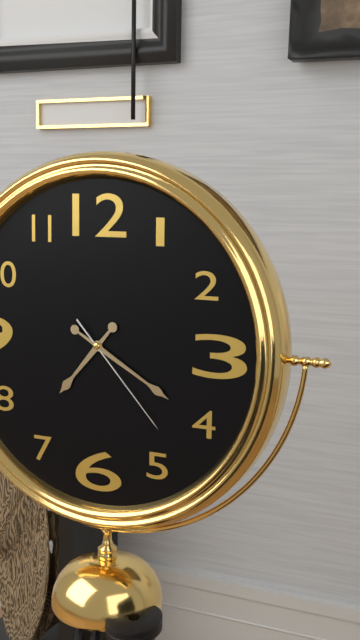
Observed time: 7.20.23
